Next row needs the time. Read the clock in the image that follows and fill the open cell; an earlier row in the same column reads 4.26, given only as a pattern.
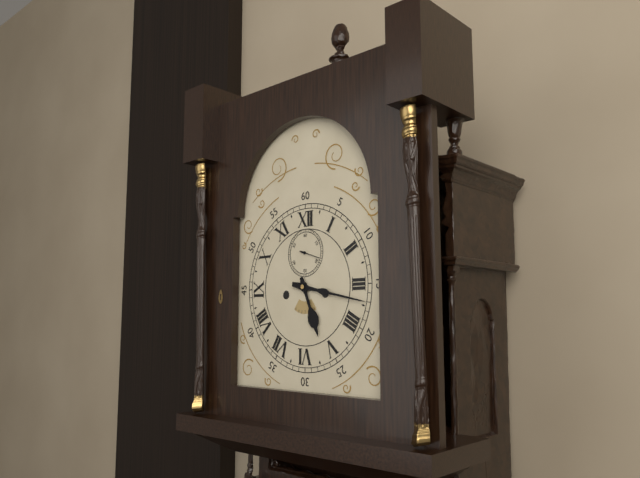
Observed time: 5.17
